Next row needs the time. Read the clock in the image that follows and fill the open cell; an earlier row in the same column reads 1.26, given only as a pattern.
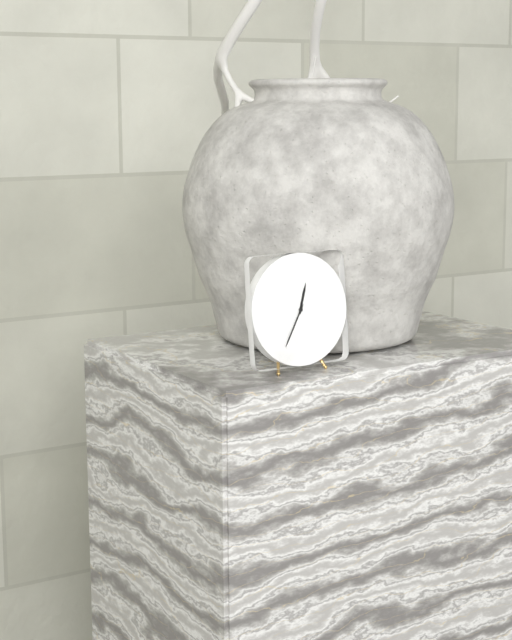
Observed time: 12.35
